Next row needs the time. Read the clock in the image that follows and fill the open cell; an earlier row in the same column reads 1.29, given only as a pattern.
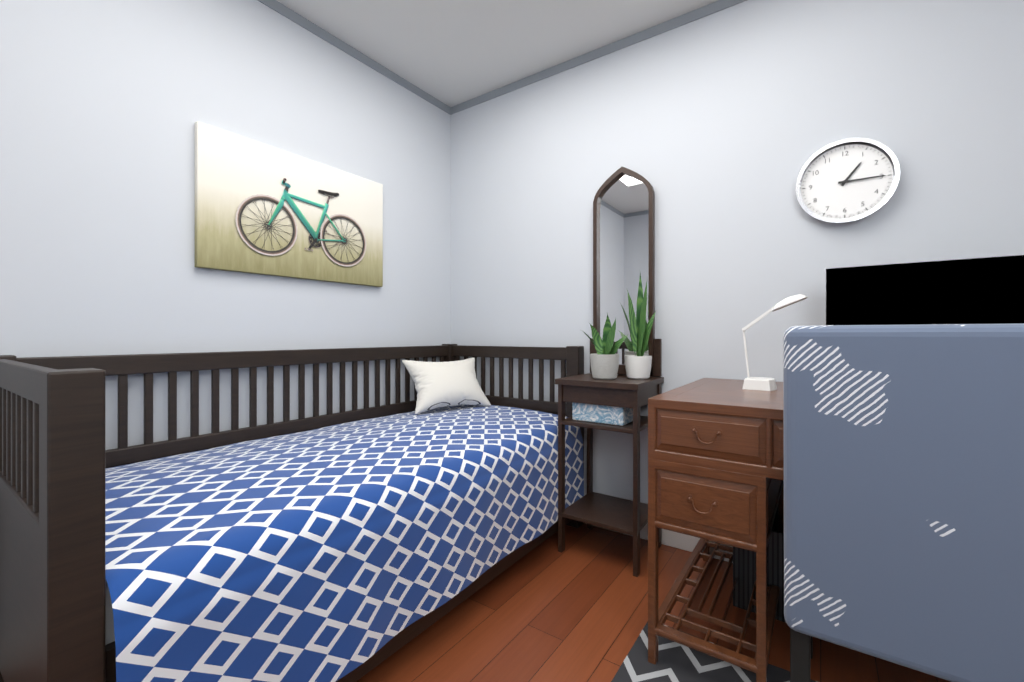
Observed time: 1.15
